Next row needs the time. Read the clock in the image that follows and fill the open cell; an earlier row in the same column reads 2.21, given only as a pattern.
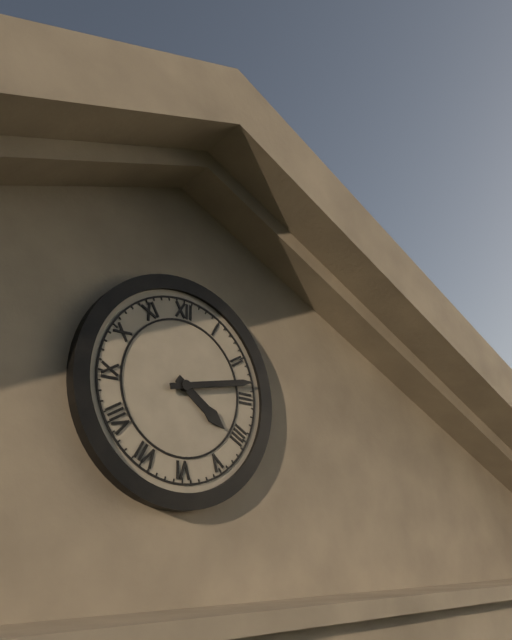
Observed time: 4.13
